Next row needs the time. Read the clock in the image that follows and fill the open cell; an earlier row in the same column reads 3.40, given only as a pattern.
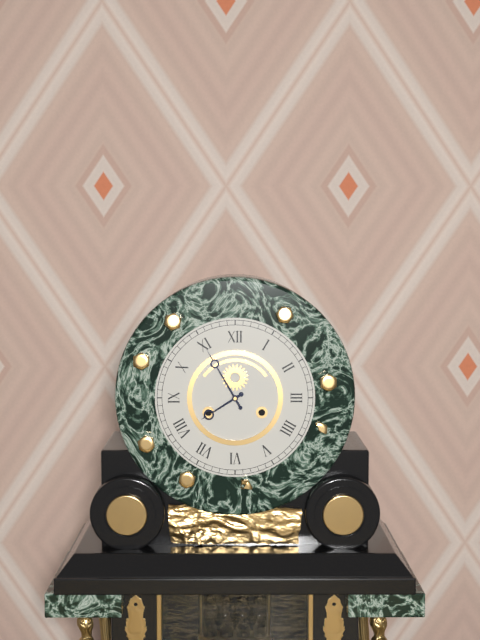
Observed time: 7.55
